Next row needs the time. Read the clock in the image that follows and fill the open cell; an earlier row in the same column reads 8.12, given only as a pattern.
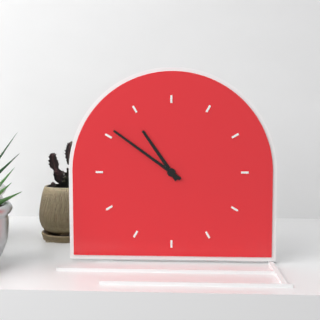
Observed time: 10.51
